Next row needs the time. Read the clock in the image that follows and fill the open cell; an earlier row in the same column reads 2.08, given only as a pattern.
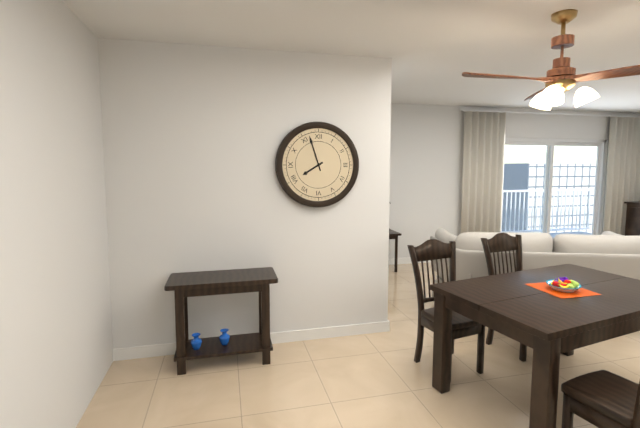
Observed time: 7.57
